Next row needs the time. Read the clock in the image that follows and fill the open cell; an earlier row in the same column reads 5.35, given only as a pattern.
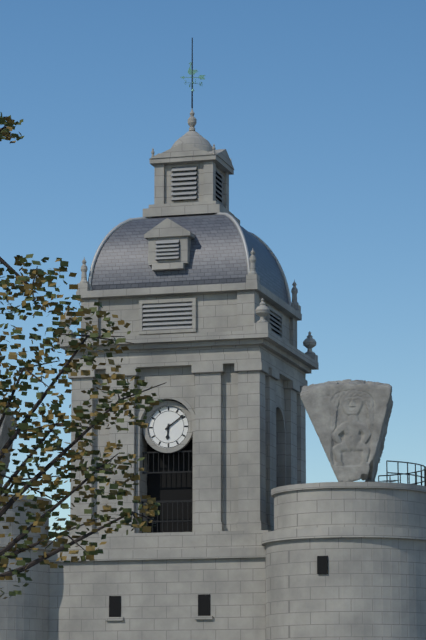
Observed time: 6.09
